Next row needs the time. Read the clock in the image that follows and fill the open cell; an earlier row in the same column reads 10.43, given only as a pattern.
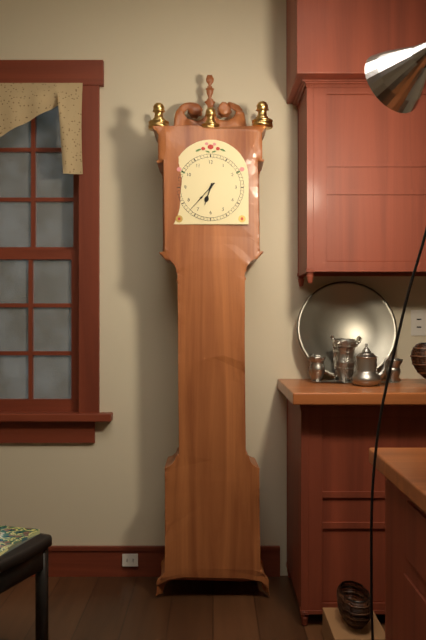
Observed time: 6.37
